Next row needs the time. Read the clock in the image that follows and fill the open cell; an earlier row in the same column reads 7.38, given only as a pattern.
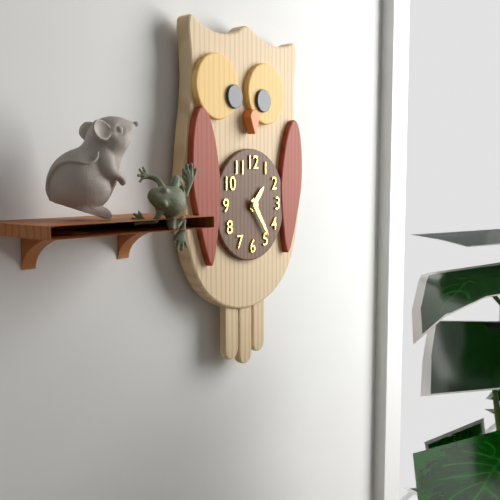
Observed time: 1.24
